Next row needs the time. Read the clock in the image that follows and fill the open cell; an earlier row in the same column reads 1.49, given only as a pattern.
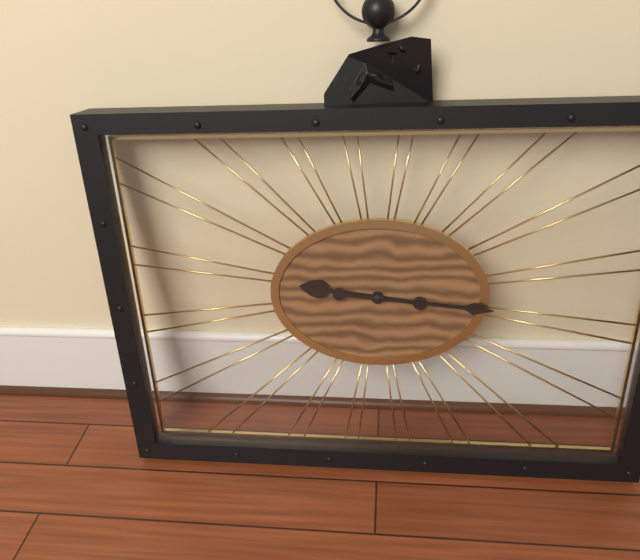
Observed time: 9.16
